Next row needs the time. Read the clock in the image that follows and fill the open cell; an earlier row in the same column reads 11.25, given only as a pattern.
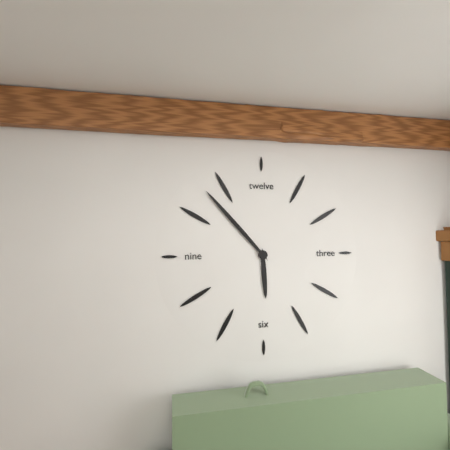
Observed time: 5.53
